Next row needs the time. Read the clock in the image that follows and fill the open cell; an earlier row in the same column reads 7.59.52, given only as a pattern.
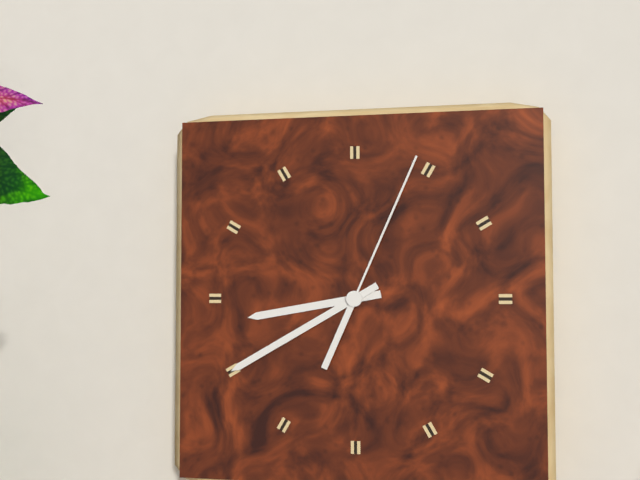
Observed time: 8.40.04
